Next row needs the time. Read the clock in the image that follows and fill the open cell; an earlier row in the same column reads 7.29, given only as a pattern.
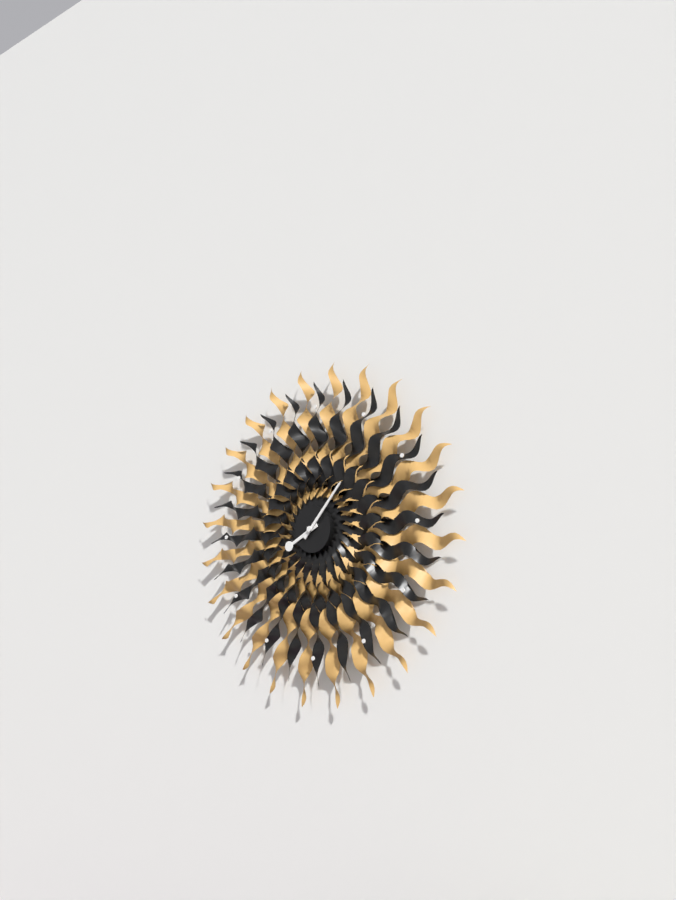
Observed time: 8.07
